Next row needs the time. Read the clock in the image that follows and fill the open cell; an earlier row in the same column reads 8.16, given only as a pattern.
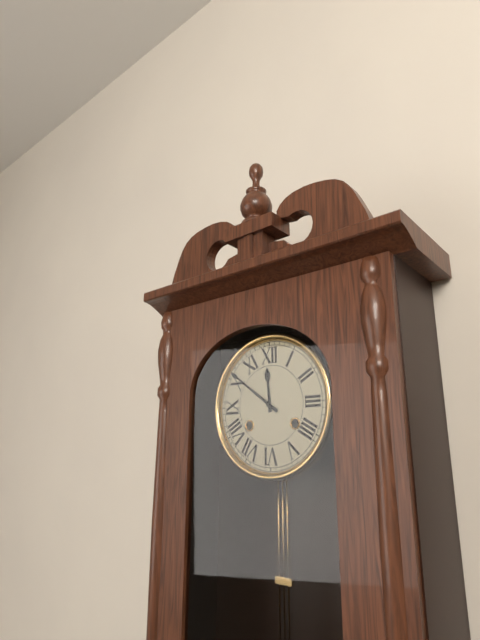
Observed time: 11.51
